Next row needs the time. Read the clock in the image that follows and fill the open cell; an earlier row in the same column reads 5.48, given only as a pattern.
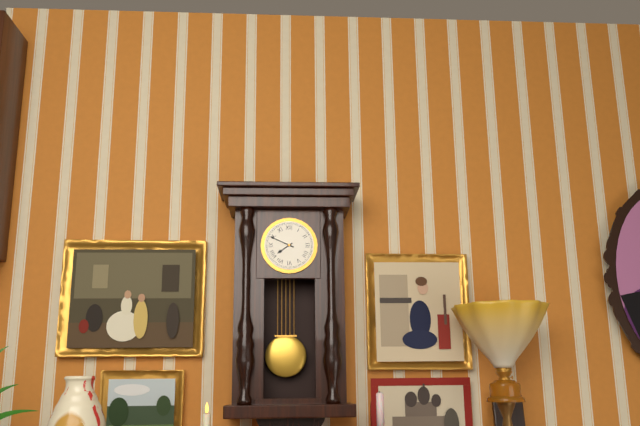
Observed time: 7.49
